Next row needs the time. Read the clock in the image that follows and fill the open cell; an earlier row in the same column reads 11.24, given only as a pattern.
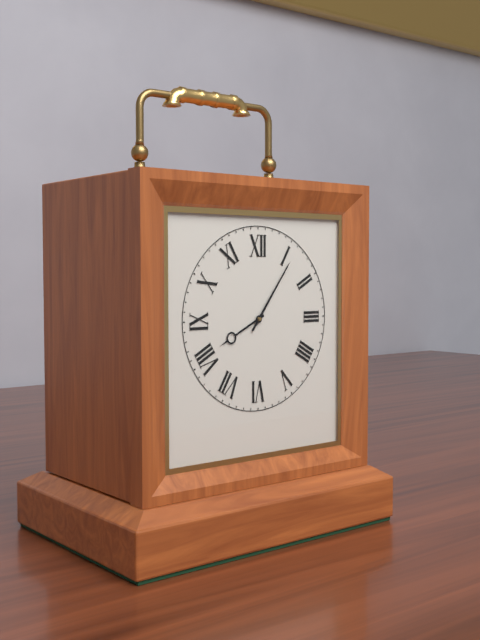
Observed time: 8.06
